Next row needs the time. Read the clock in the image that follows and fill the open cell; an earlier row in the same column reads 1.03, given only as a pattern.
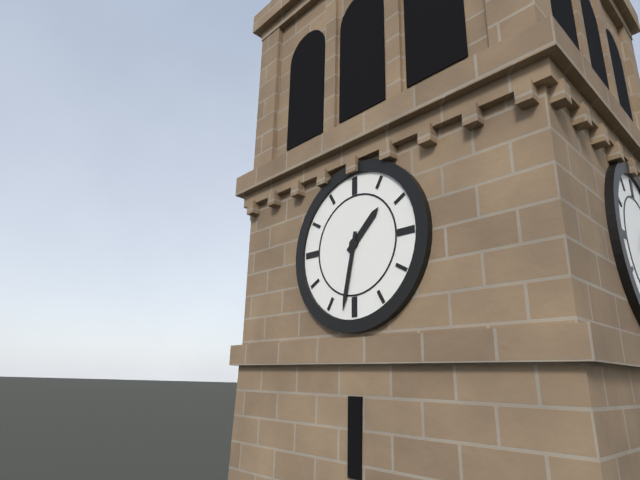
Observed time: 1.32
